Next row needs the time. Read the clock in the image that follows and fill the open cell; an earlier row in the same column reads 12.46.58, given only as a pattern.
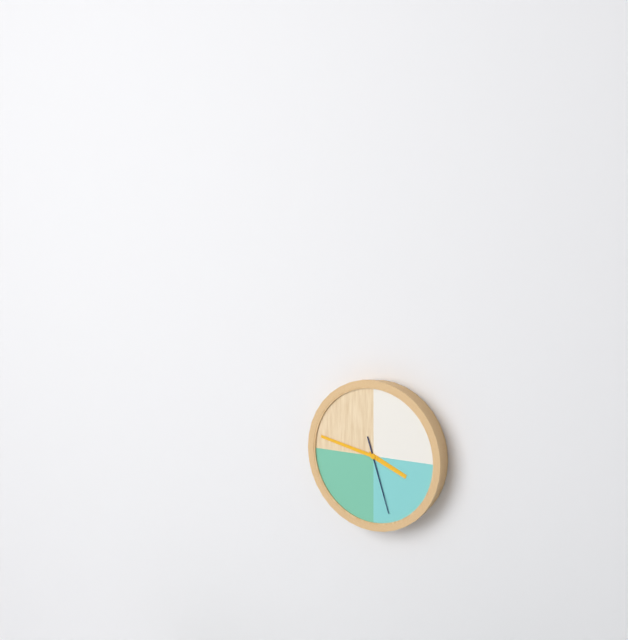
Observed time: 3.47.27
